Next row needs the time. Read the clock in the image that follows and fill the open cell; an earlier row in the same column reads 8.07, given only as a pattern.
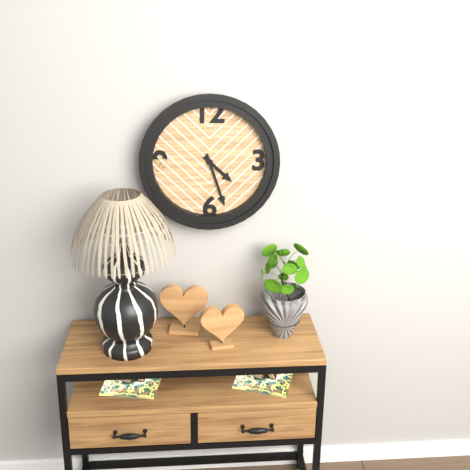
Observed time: 4.27
